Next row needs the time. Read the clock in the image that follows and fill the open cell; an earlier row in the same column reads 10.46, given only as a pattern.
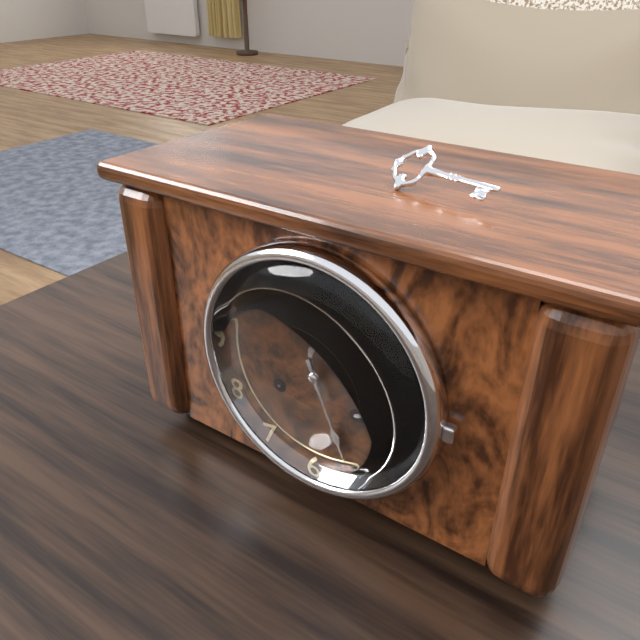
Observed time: 11.26
